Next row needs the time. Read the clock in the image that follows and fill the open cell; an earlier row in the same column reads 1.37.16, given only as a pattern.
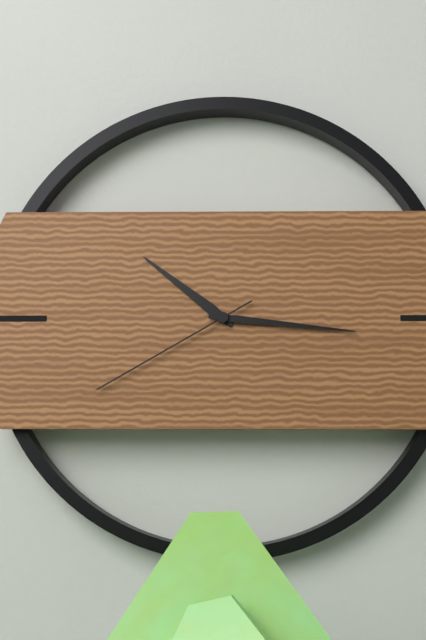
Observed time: 10.16.40
